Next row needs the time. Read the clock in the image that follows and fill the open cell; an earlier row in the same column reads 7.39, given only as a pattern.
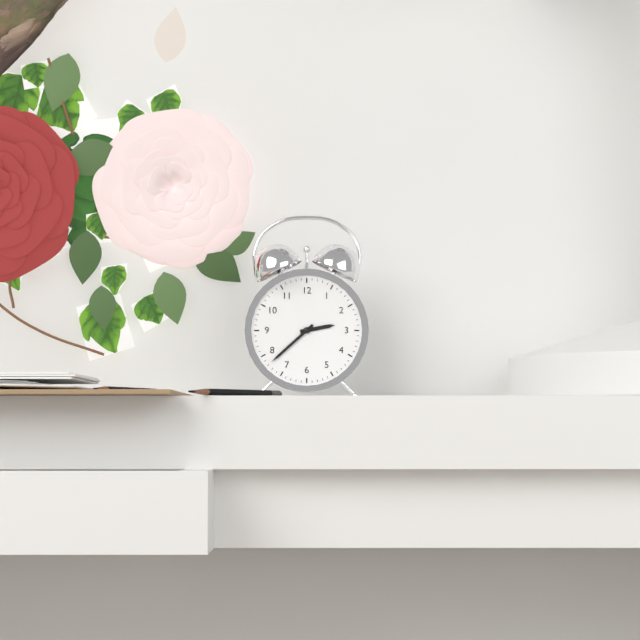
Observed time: 2.38
